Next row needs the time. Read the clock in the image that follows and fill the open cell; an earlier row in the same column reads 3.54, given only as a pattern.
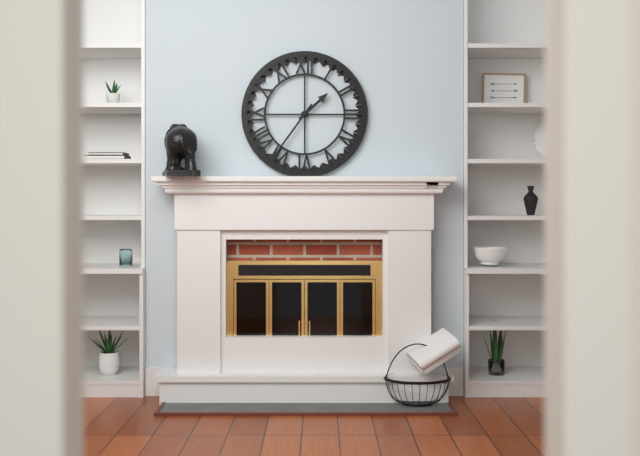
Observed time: 1.36
